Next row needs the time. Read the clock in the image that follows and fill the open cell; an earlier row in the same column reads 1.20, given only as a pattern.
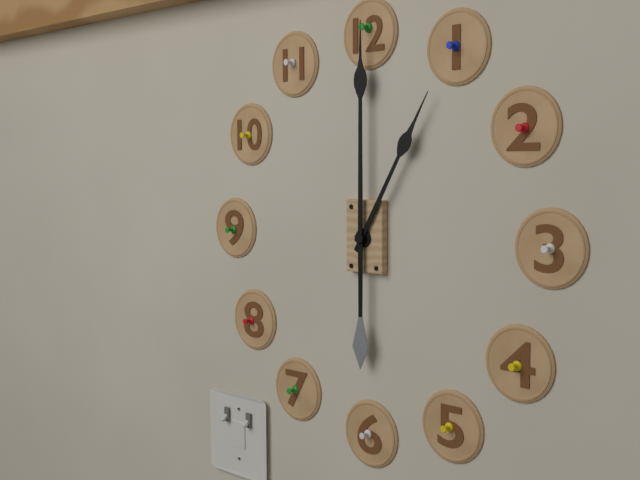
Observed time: 1.00
